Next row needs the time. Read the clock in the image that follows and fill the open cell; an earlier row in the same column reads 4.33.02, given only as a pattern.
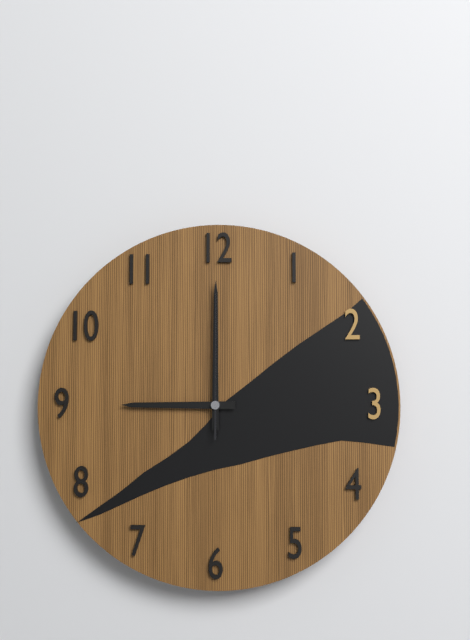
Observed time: 9.00.00
